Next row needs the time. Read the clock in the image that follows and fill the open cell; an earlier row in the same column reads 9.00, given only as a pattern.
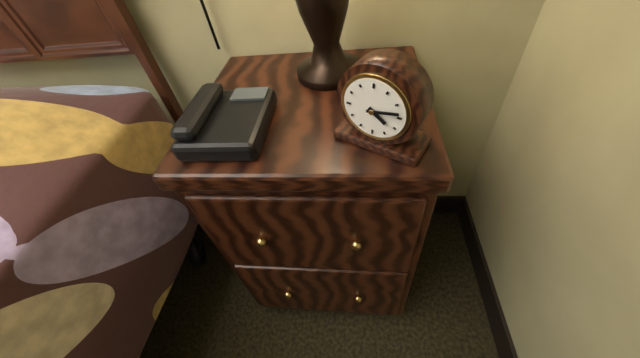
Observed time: 4.13
